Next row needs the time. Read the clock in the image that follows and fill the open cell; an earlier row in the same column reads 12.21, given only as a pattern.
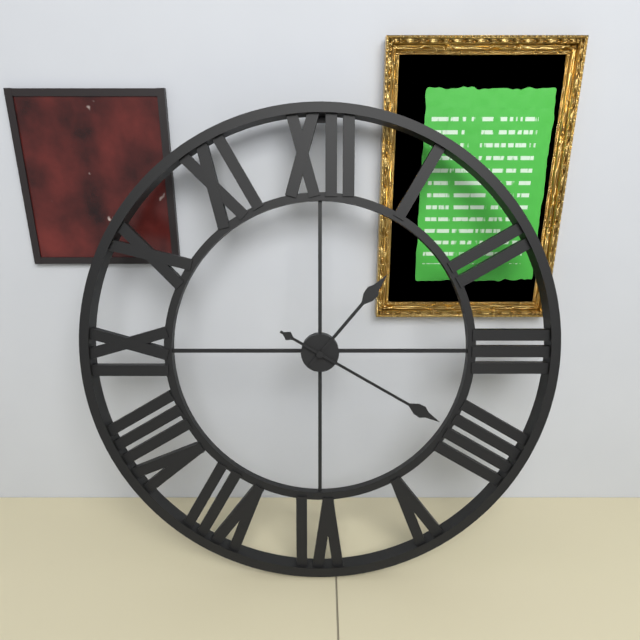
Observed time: 1.20
